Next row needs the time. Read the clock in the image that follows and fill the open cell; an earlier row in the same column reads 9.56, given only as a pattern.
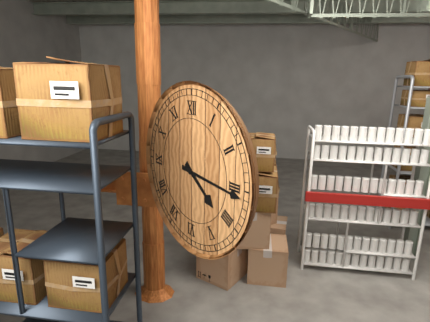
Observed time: 4.16
